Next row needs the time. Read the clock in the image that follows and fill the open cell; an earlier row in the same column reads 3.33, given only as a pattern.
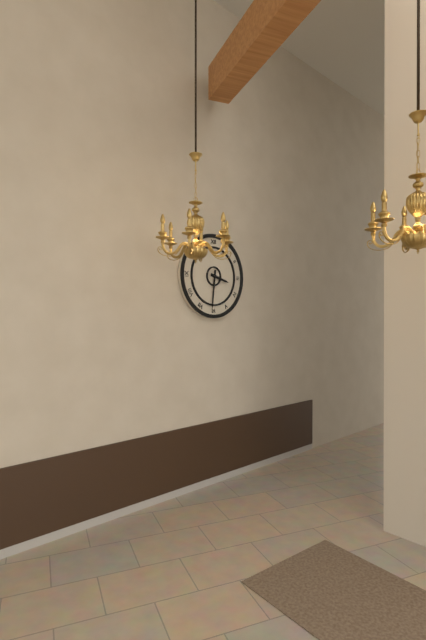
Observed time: 3.31
